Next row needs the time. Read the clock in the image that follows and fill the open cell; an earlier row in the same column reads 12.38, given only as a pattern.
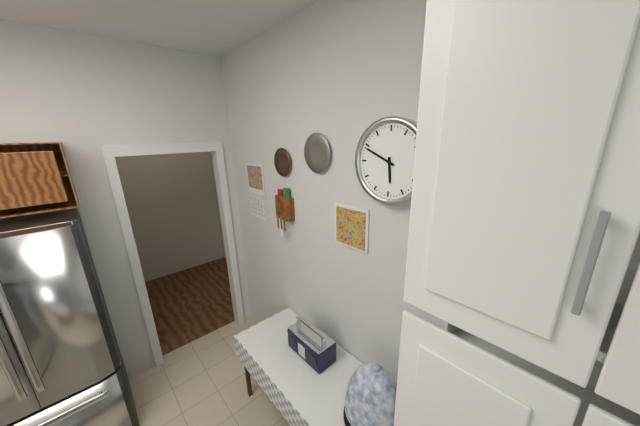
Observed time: 5.49
